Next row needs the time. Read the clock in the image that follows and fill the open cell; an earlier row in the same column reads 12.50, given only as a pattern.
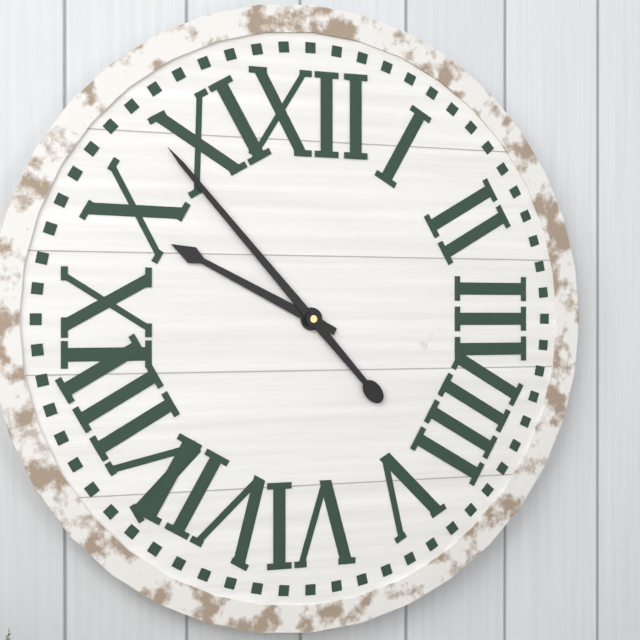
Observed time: 9.53
